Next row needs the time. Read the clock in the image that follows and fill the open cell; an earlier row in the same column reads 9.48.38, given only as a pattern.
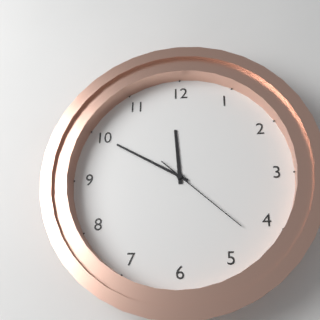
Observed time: 11.50.22
